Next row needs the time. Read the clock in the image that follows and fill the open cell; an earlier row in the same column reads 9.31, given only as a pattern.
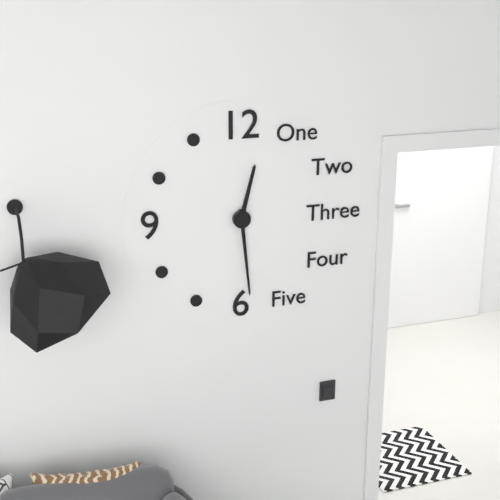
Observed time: 12.29
